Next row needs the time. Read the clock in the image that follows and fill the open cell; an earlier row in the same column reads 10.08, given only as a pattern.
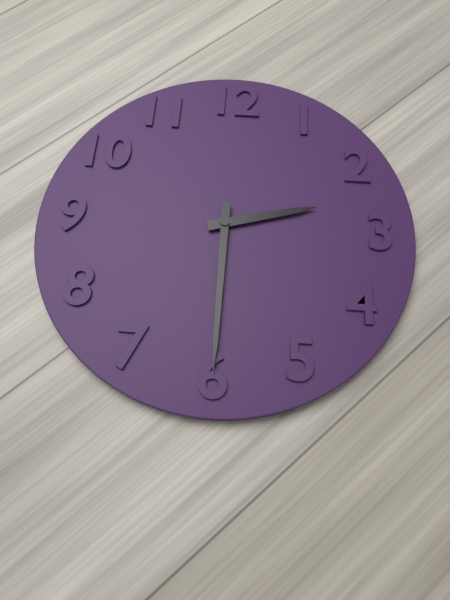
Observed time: 2.30
